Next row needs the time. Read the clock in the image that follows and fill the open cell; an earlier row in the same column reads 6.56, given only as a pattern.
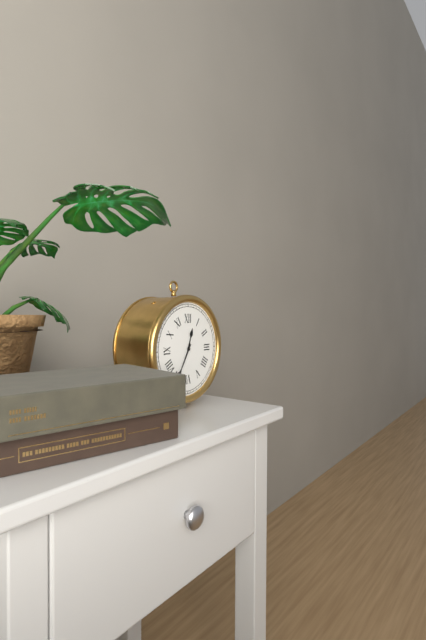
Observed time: 12.35
